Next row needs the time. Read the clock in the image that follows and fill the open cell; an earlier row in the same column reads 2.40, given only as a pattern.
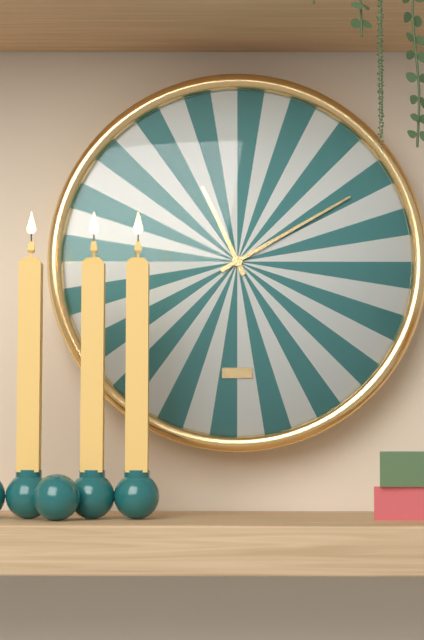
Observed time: 11.10
